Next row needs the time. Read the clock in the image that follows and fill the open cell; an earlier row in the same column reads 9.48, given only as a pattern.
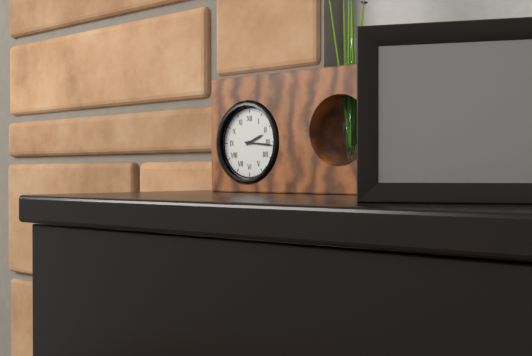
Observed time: 2.16
